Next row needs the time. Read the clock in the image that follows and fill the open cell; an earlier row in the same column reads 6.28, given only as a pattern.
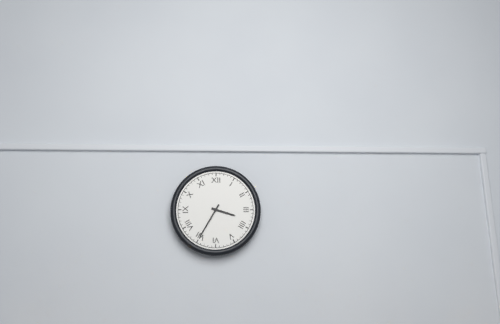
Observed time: 3.35
